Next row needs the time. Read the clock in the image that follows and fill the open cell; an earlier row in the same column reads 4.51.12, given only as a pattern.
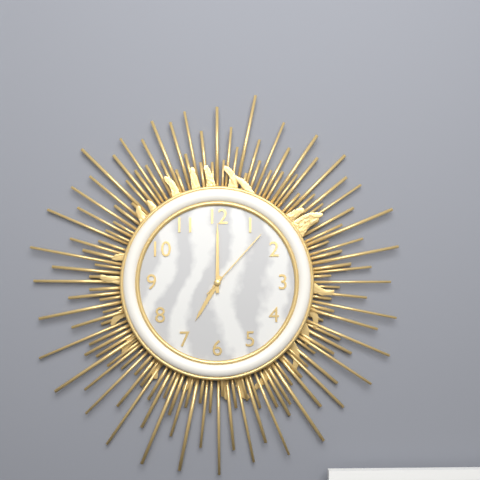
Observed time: 7.00.07
